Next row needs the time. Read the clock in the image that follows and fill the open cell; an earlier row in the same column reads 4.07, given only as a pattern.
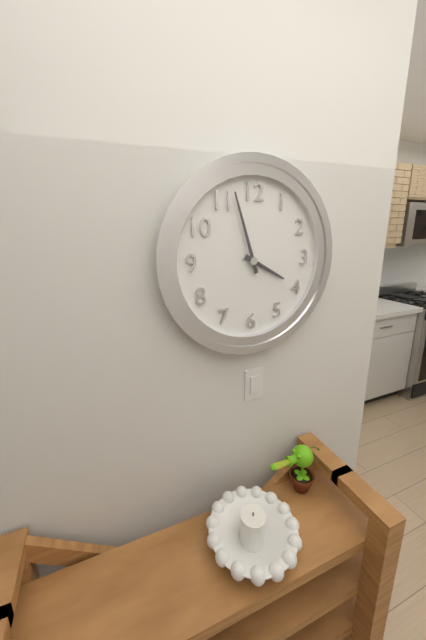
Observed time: 3.57
